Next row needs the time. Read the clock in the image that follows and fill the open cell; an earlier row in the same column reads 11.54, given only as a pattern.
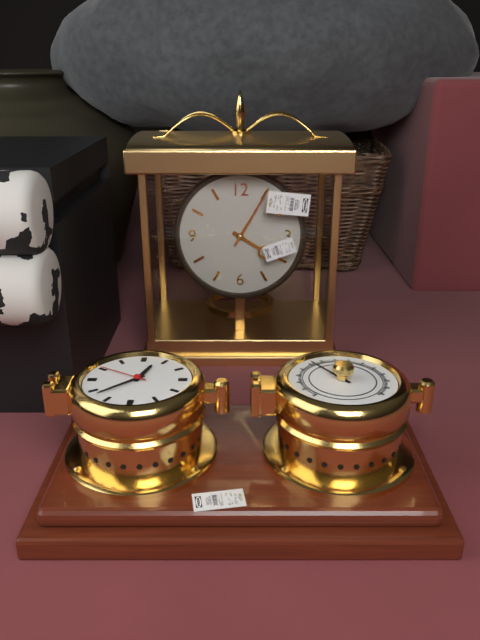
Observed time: 4.05
